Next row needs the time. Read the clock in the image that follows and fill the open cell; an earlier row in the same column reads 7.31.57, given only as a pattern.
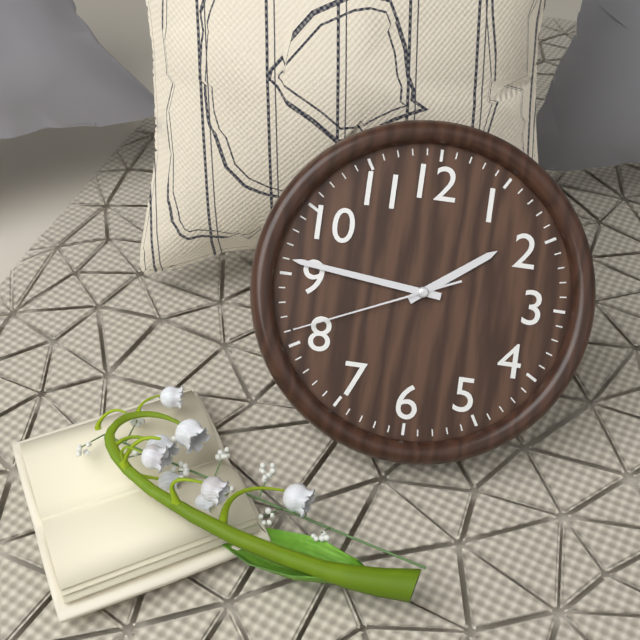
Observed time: 1.46.41
